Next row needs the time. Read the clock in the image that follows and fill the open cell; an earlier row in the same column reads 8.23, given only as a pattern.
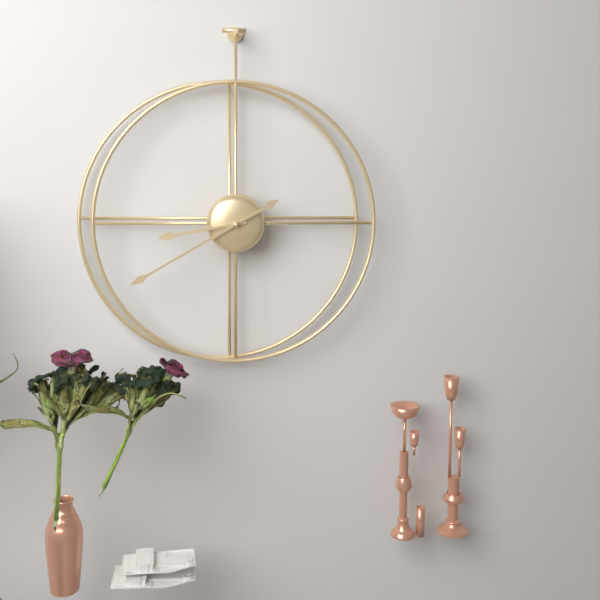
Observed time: 8.40
